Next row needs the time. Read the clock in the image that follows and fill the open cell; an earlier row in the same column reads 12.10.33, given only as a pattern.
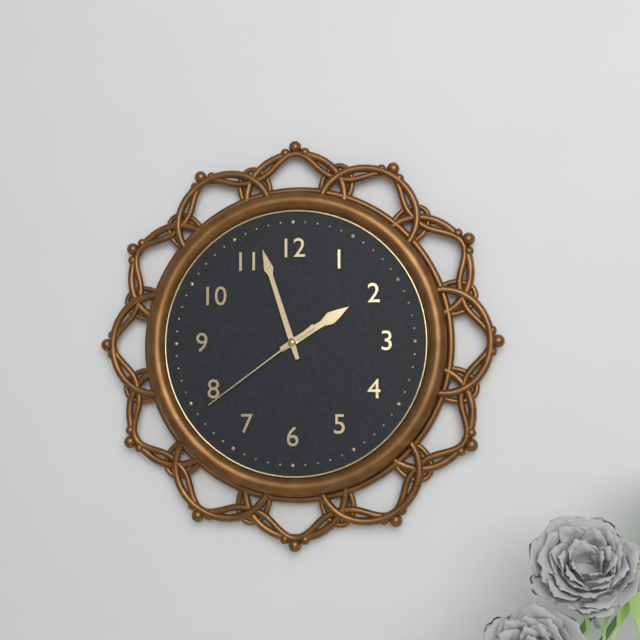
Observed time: 1.57.39
